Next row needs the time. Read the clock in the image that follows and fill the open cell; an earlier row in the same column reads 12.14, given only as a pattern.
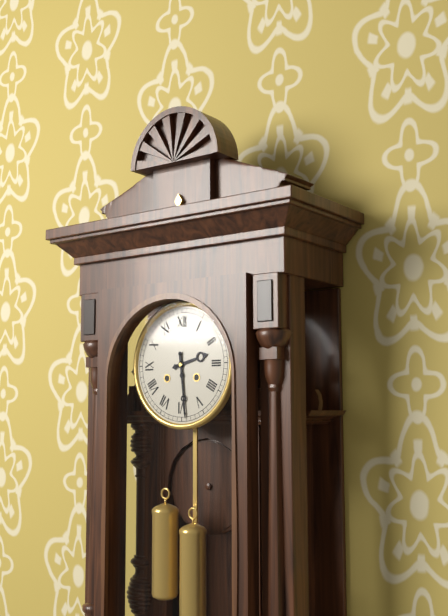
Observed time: 2.29
